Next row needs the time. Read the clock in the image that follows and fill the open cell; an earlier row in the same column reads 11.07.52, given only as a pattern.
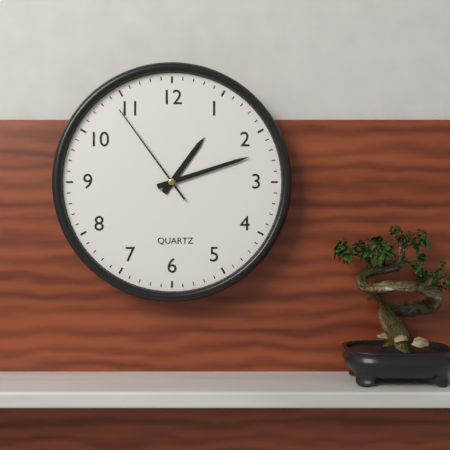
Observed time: 1.12.54
